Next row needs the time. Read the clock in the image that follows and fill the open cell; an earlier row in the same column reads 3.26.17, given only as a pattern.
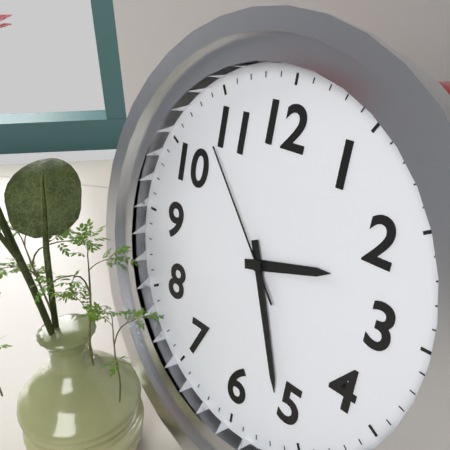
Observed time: 2.26.53
